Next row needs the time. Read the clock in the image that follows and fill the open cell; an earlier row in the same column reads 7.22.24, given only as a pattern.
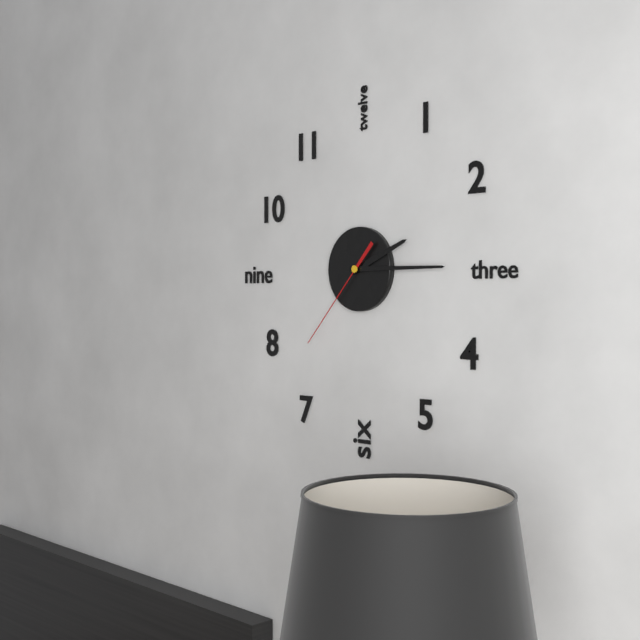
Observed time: 2.15.37
